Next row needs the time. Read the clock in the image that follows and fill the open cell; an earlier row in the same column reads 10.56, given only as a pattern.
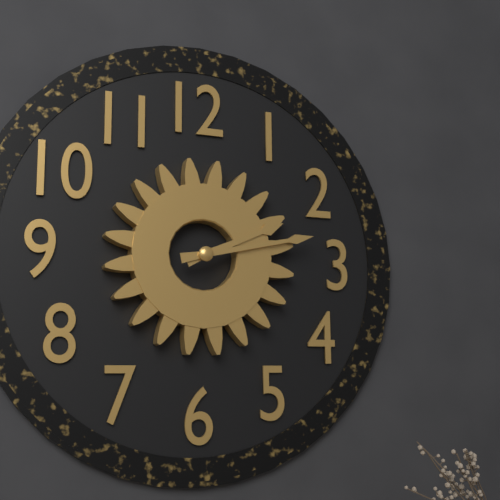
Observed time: 2.13
